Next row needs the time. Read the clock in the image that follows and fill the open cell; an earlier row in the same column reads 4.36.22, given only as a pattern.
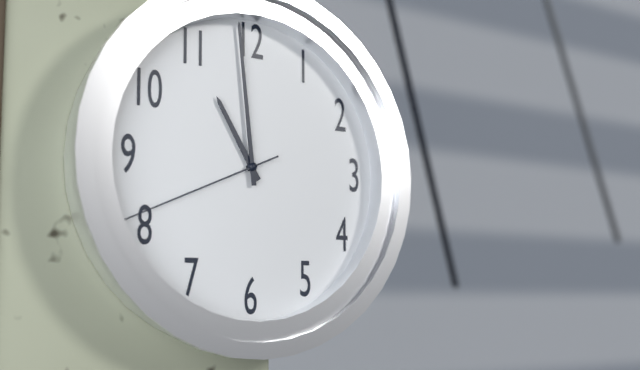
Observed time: 10.59.41
